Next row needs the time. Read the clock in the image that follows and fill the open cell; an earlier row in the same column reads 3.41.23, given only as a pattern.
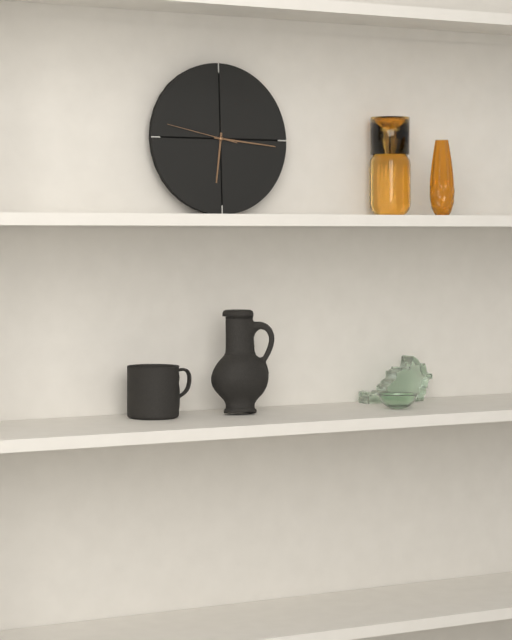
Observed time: 6.16.47
